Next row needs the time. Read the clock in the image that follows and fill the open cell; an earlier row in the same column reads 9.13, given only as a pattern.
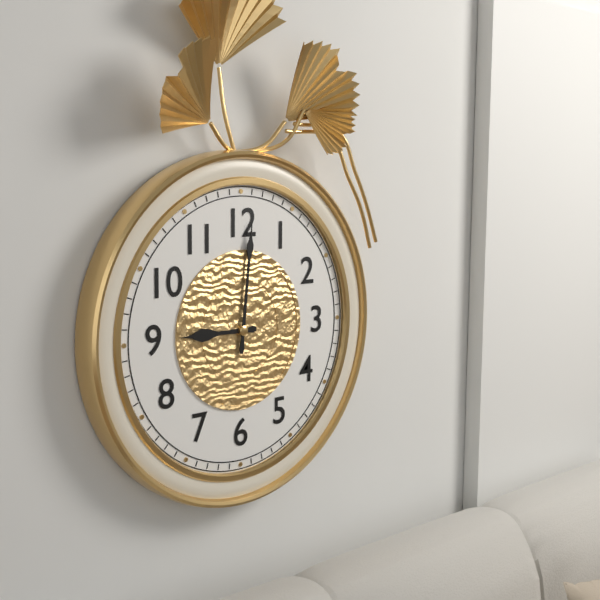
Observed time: 9.01
